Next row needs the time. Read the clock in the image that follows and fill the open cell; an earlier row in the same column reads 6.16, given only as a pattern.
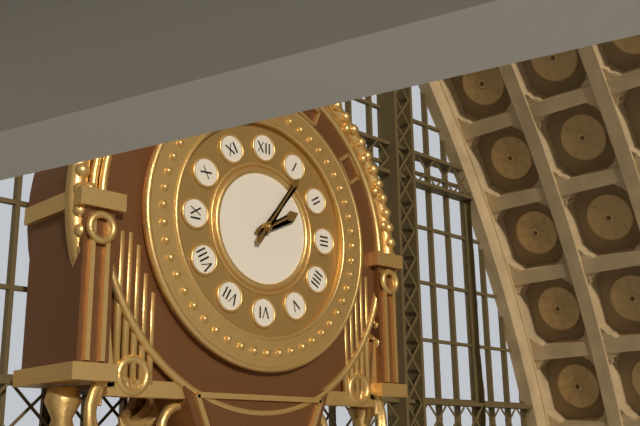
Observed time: 2.06
